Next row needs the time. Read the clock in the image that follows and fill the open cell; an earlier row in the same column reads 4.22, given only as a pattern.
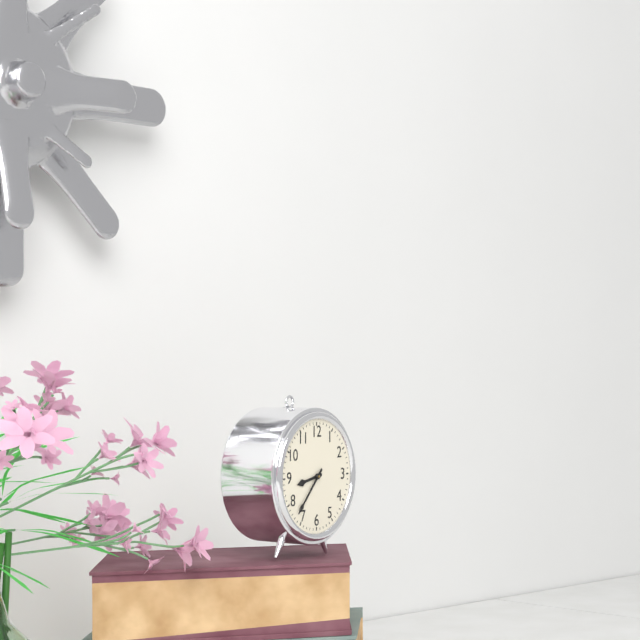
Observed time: 8.37
